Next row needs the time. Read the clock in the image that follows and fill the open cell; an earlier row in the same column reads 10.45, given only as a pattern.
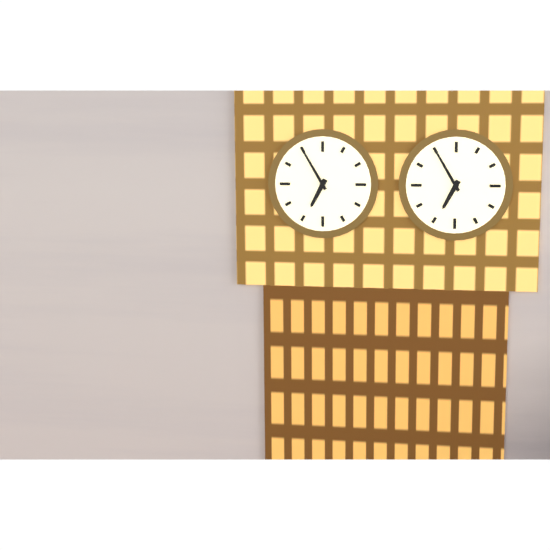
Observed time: 6.55
